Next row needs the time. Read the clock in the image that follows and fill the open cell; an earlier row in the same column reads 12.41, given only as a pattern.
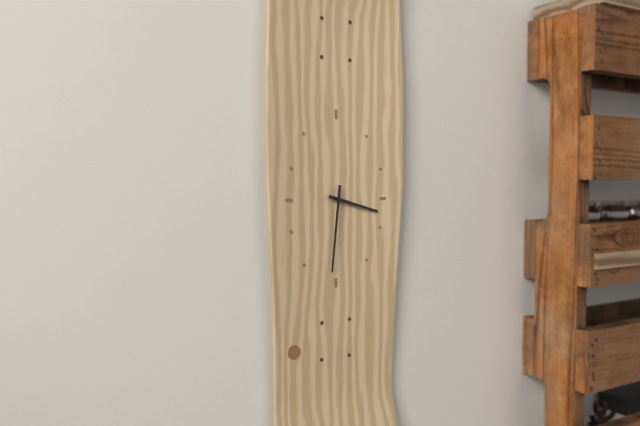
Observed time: 3.31
